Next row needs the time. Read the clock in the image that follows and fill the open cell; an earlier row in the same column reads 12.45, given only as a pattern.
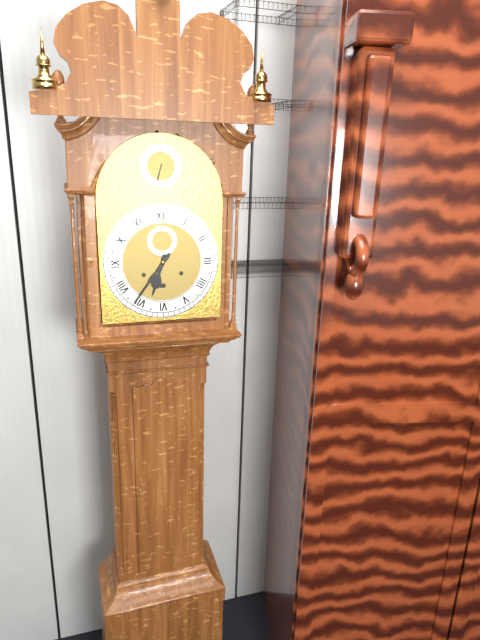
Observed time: 6.36
